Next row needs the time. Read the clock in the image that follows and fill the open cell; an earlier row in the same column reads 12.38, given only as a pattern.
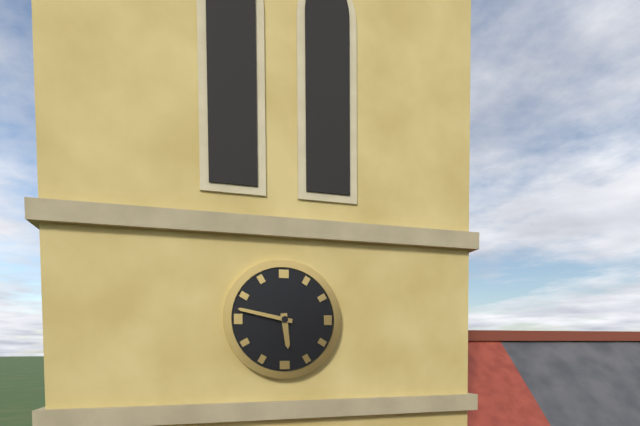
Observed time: 5.47
